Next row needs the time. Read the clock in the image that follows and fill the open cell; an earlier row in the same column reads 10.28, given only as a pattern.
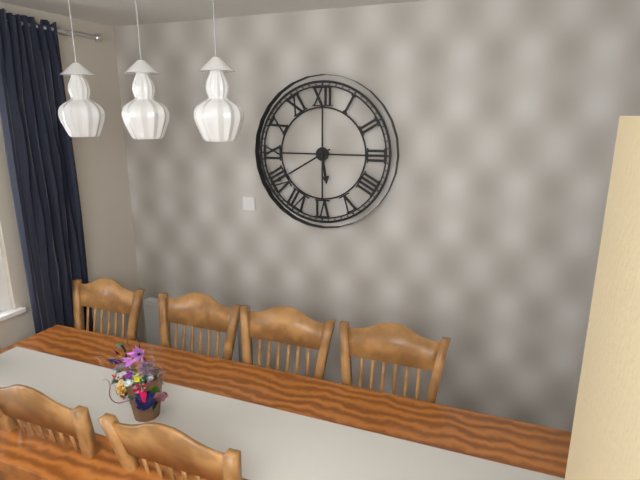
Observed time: 5.40
